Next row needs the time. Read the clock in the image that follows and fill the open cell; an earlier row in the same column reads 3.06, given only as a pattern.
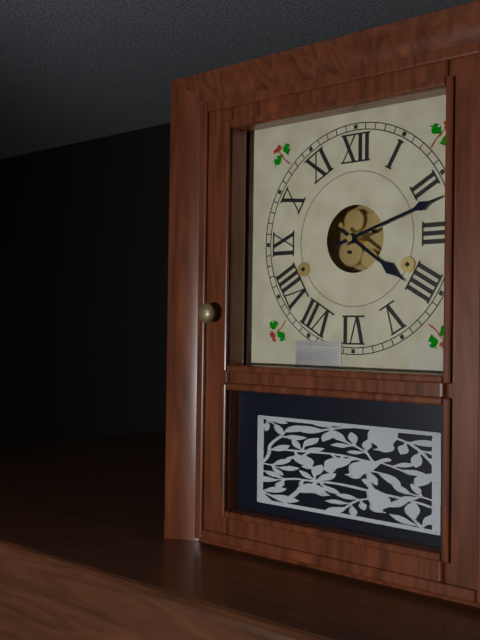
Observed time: 4.12
